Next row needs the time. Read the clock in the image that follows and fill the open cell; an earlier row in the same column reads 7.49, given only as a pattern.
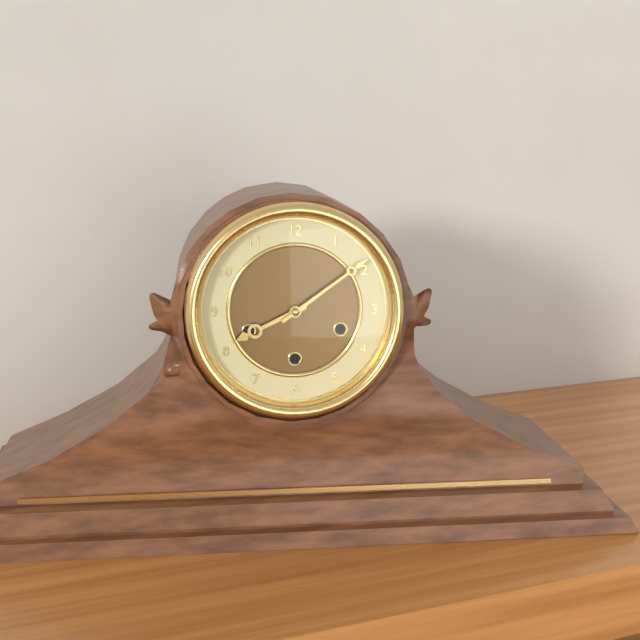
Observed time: 8.09
